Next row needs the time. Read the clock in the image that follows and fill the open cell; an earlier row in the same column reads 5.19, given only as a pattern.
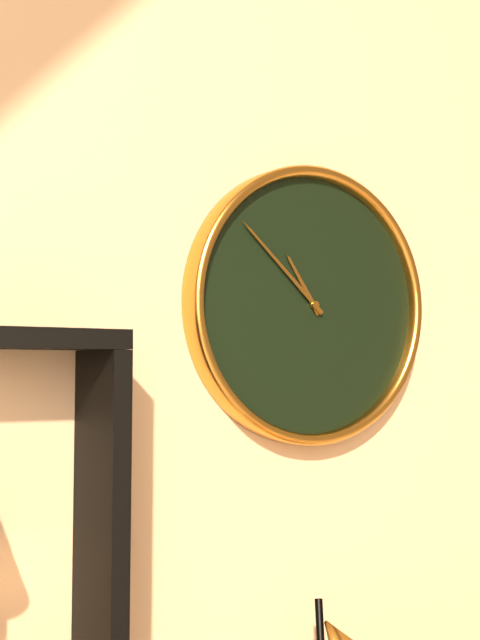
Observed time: 10.52
